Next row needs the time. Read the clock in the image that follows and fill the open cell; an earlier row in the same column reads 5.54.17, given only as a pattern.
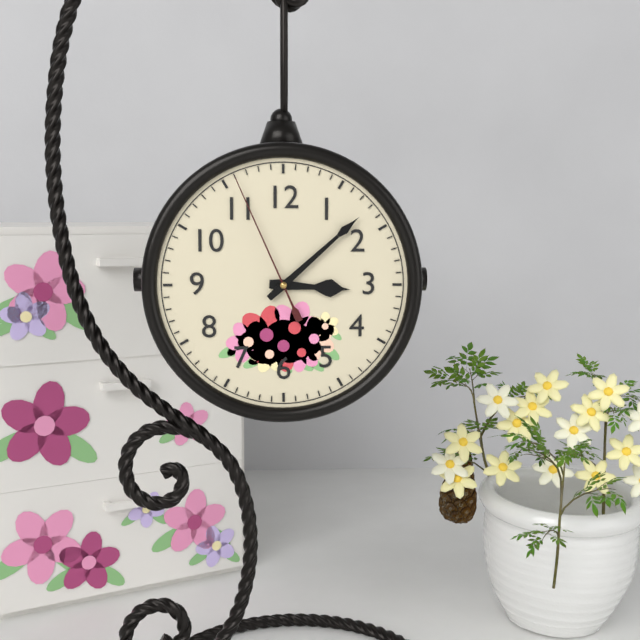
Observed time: 3.08.56
